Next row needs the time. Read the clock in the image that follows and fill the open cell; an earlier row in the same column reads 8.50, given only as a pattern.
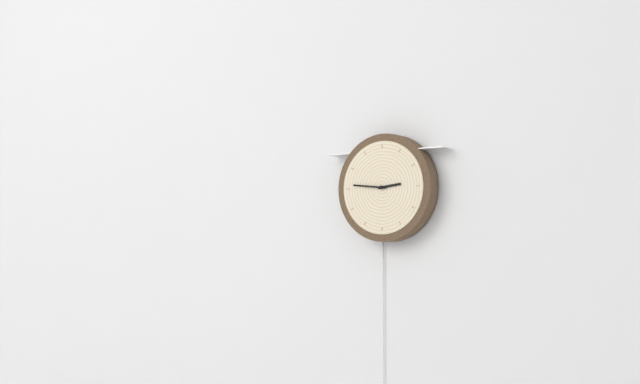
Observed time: 2.46
